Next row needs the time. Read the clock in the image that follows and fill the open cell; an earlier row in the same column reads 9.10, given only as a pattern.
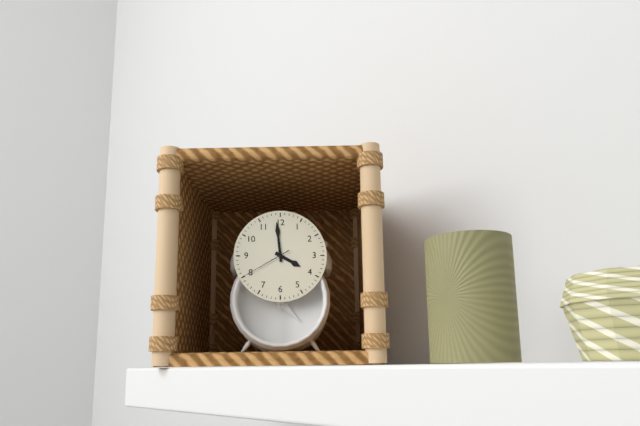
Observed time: 3.59
